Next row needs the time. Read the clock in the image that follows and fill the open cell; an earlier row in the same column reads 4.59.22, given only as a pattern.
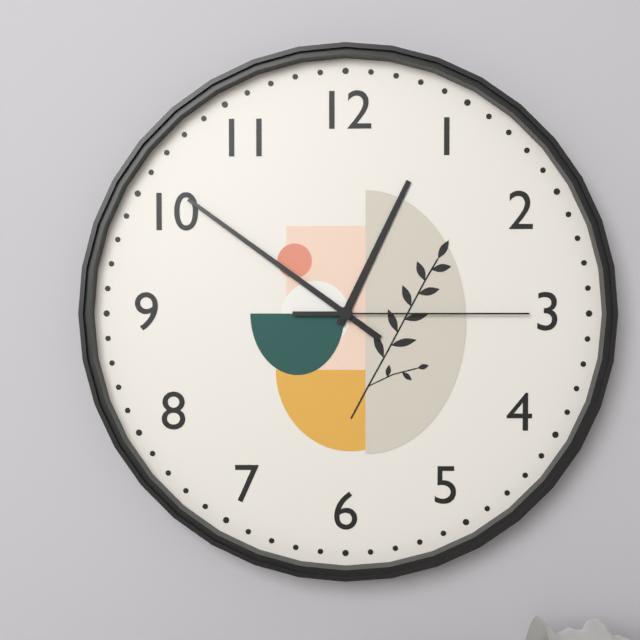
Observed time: 12.51.15
